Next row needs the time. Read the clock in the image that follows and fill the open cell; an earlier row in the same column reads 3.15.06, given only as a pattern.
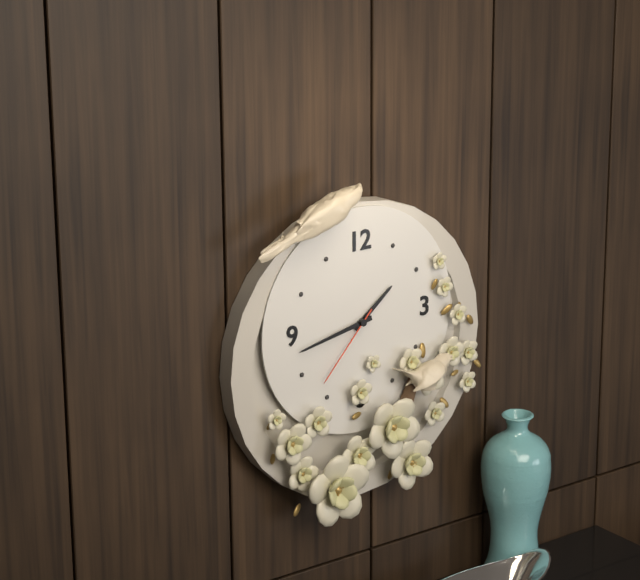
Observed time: 1.43.37
